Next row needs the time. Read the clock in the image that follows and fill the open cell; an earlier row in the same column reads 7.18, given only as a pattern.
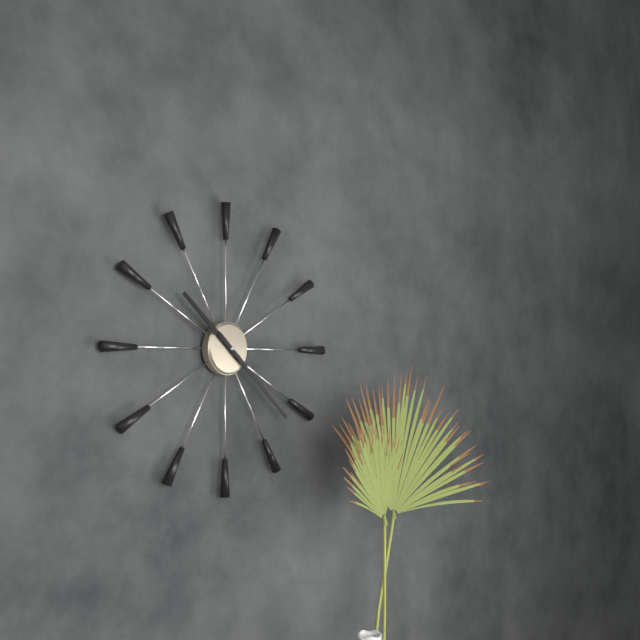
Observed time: 10.22
